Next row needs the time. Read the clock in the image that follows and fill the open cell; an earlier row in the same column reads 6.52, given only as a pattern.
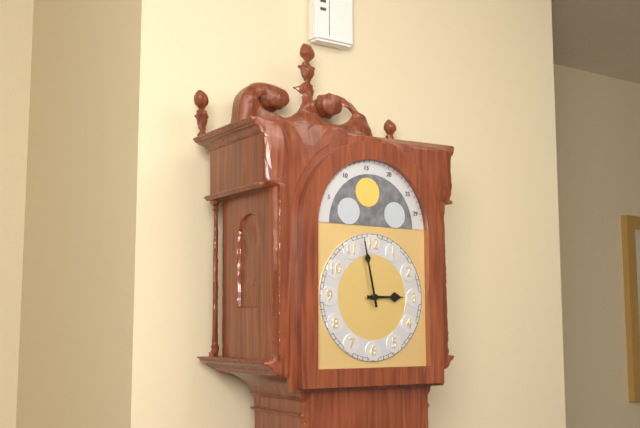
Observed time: 2.58
